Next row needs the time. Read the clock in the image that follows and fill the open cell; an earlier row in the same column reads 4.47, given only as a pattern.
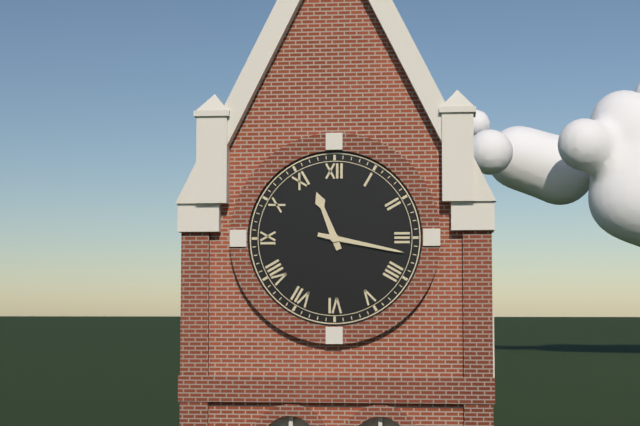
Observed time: 11.17
